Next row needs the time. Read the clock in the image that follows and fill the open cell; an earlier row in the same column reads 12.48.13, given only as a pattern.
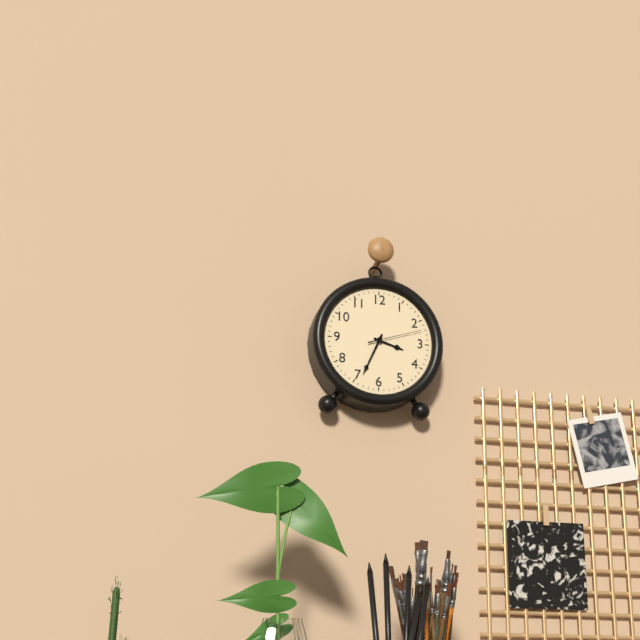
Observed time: 3.34.12
